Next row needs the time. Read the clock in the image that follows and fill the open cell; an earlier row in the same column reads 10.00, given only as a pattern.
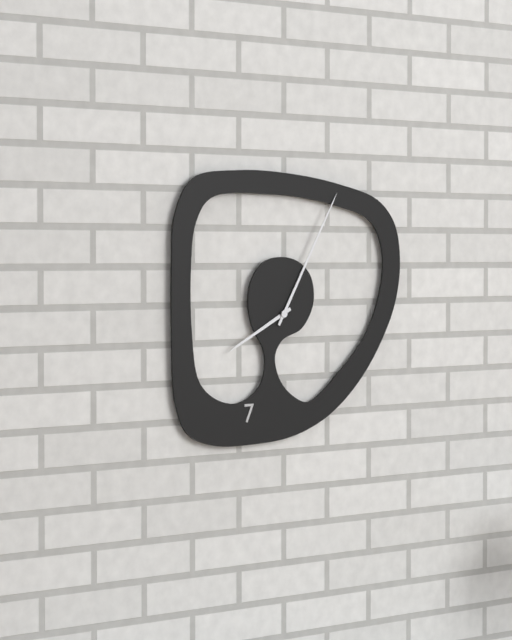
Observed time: 8.05
